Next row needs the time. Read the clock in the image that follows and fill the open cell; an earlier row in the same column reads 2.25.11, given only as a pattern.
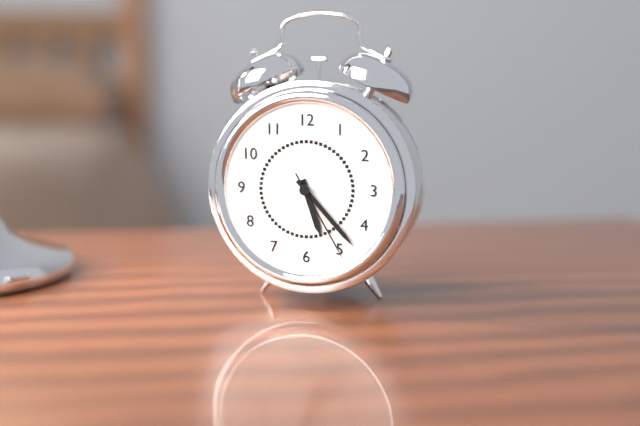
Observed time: 5.23.25
